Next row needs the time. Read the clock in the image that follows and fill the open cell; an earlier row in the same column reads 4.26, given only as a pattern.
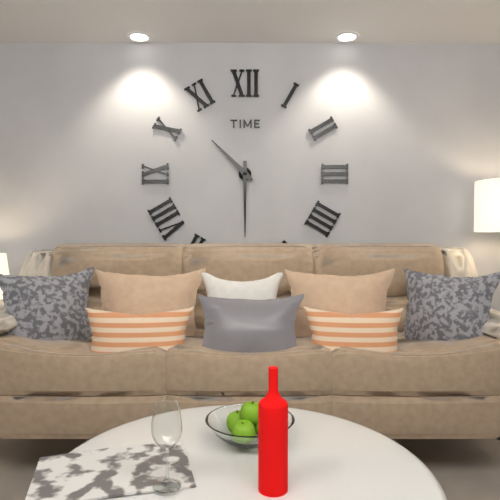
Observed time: 10.30
